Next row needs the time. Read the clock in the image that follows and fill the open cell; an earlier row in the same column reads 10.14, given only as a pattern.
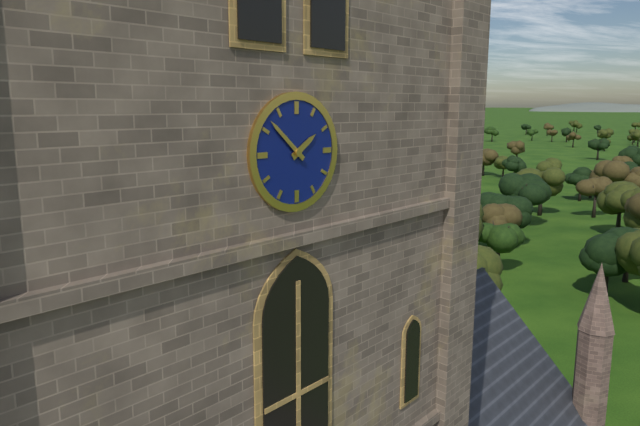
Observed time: 1.52
